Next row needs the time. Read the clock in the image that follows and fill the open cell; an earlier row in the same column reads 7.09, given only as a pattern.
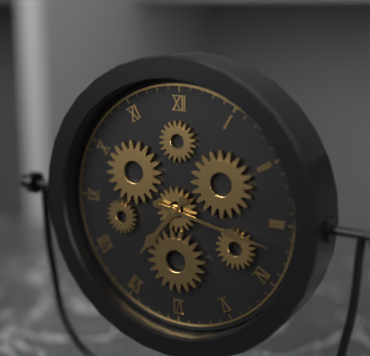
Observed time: 7.17
